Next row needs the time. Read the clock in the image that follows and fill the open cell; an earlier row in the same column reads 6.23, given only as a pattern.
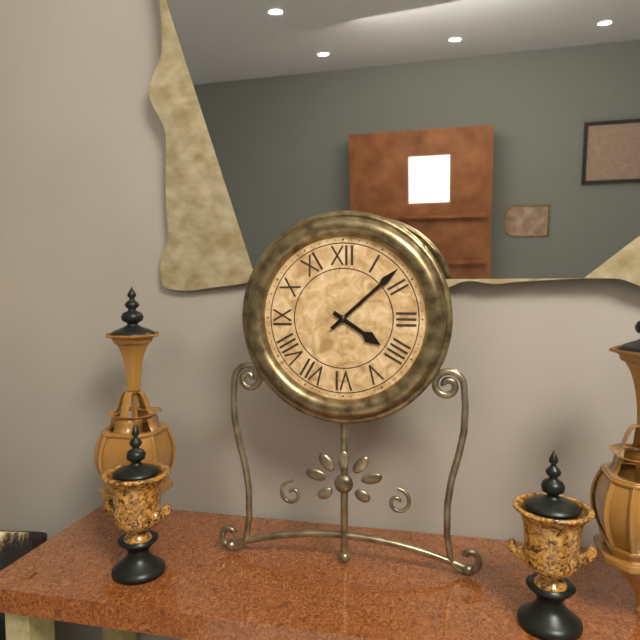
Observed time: 4.08
